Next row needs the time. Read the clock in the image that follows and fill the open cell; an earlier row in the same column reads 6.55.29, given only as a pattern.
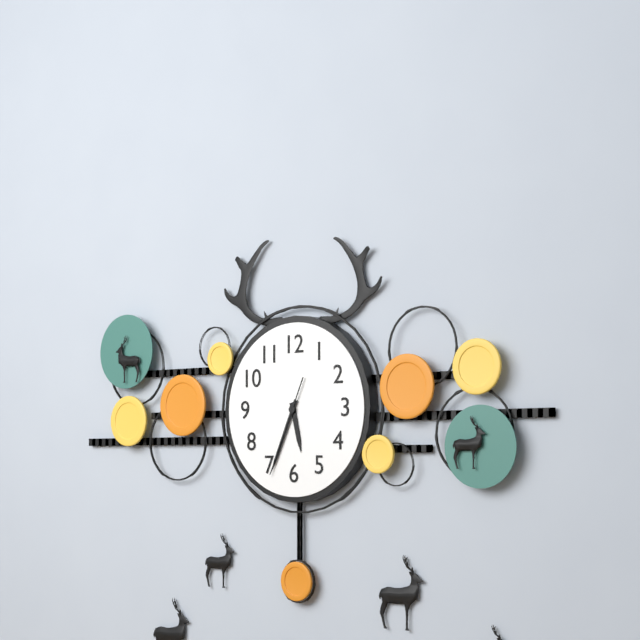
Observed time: 5.34.34
